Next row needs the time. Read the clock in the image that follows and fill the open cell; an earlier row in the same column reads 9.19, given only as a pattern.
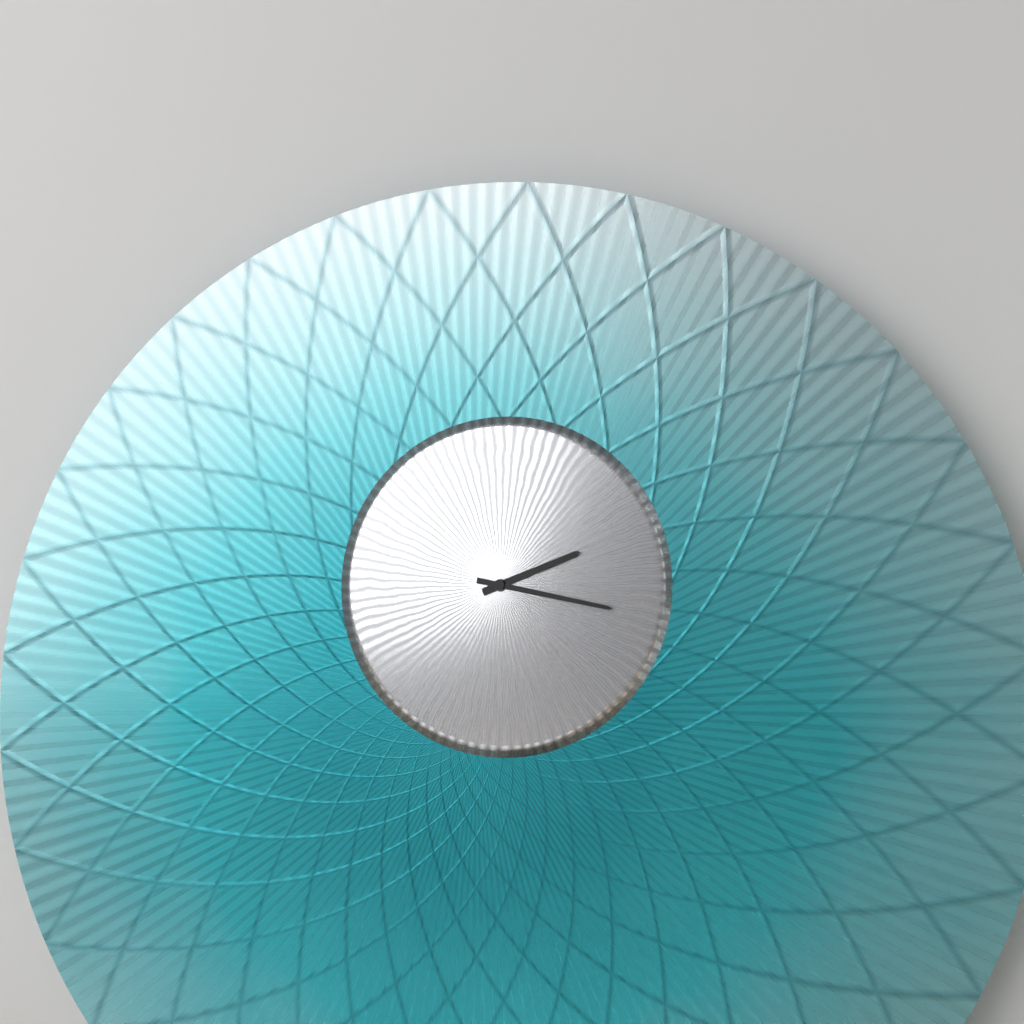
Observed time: 2.17
